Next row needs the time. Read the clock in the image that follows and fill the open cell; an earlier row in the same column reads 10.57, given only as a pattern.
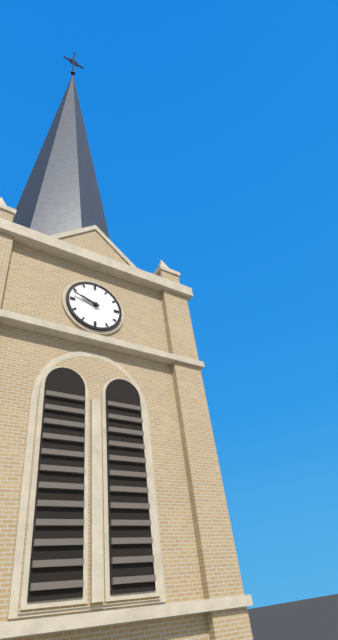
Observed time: 9.48
